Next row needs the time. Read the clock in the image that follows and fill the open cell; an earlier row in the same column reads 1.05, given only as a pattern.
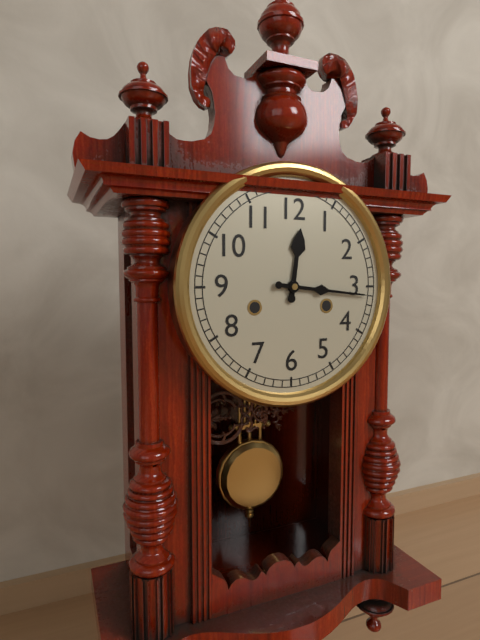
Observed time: 12.16
